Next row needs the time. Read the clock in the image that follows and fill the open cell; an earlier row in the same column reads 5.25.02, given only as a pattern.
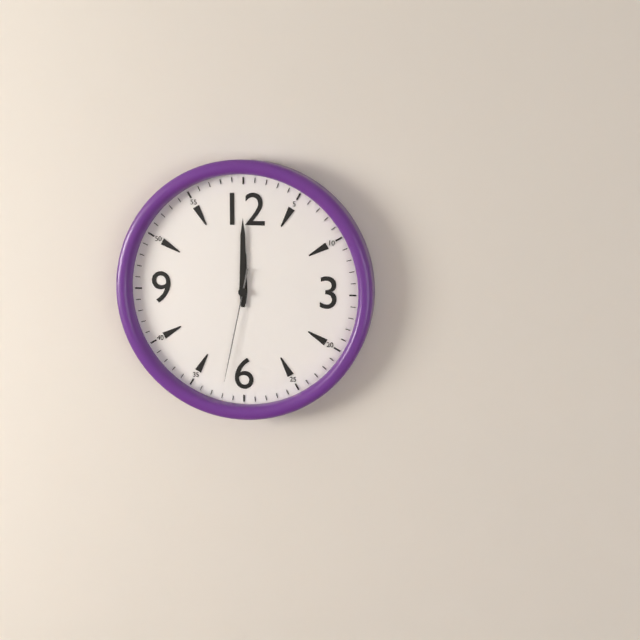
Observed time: 12.00.32
